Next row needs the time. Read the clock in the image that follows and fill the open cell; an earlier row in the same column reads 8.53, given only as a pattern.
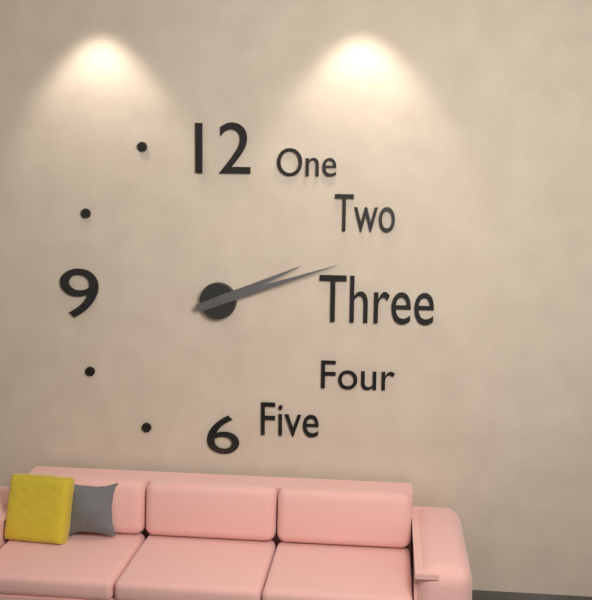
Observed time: 2.12
